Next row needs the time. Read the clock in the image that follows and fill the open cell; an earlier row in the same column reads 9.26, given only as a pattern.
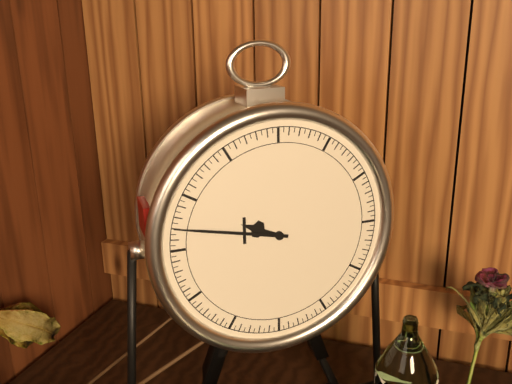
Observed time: 9.47
